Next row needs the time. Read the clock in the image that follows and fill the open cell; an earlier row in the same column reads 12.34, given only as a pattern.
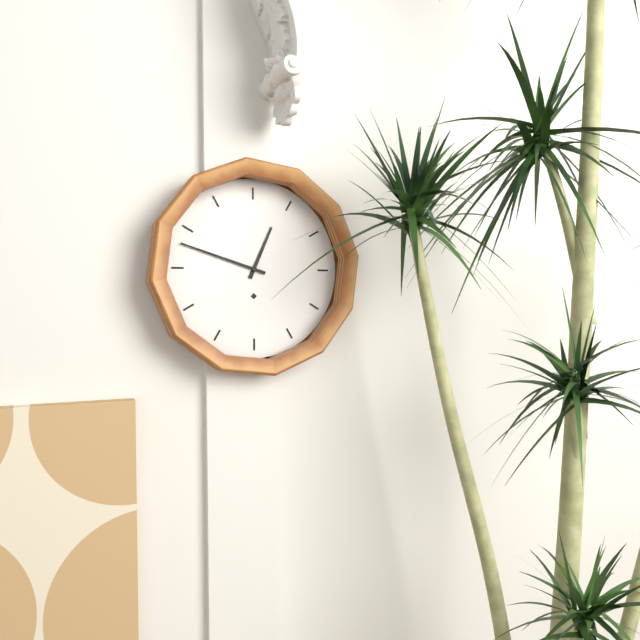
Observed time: 12.48
